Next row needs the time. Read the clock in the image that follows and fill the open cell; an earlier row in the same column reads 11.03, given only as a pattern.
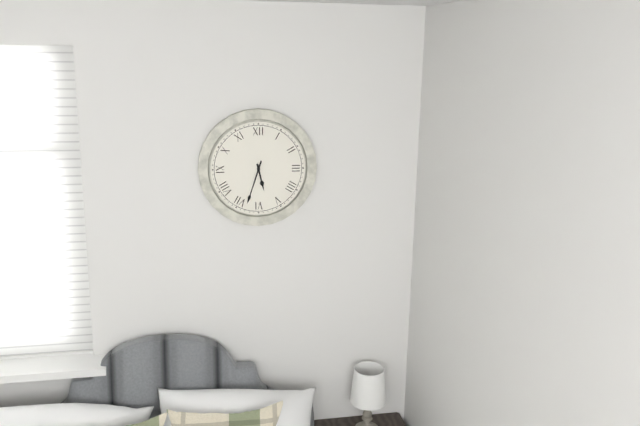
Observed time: 5.33
